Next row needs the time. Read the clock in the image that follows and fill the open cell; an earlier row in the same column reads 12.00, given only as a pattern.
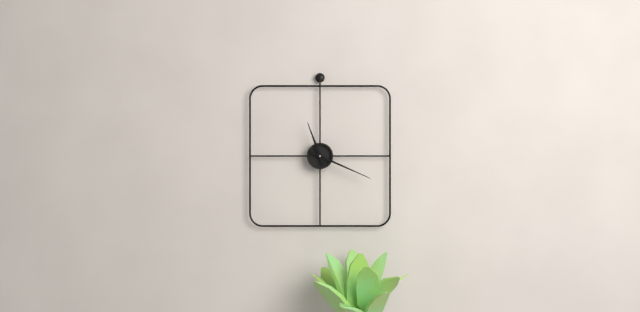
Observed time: 11.19
